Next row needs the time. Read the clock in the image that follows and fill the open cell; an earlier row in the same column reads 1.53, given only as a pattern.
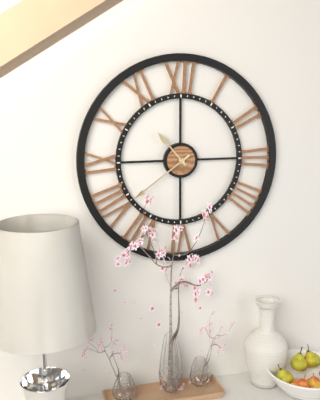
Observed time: 10.39
